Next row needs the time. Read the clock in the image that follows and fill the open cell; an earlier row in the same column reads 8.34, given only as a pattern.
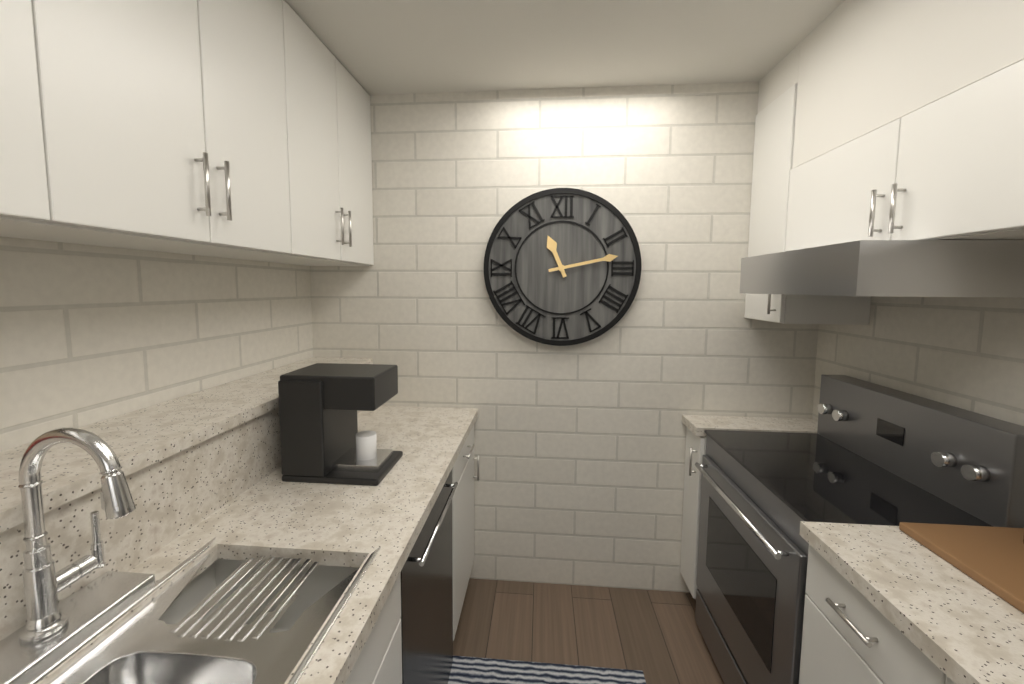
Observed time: 11.13
